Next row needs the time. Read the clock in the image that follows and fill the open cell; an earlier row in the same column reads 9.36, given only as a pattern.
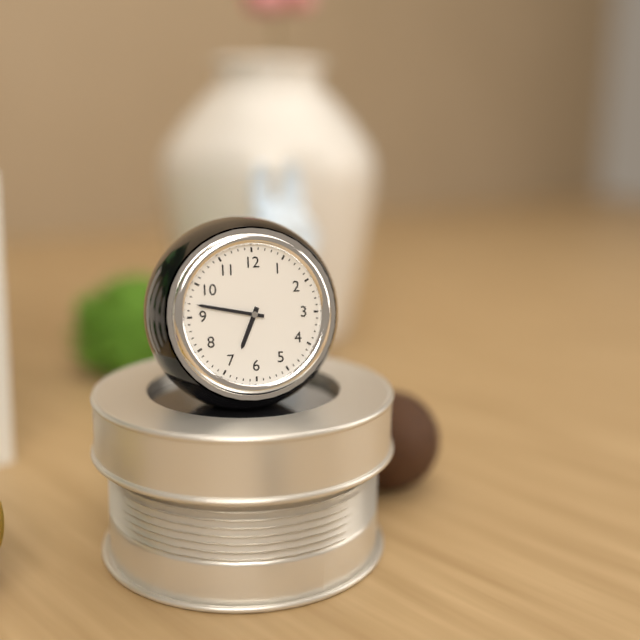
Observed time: 6.47
